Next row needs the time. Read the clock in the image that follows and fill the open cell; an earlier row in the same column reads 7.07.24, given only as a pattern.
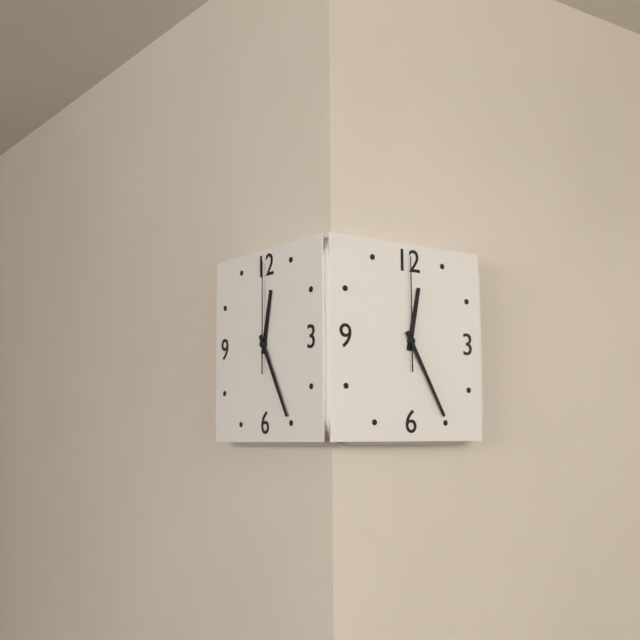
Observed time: 12.25.00
